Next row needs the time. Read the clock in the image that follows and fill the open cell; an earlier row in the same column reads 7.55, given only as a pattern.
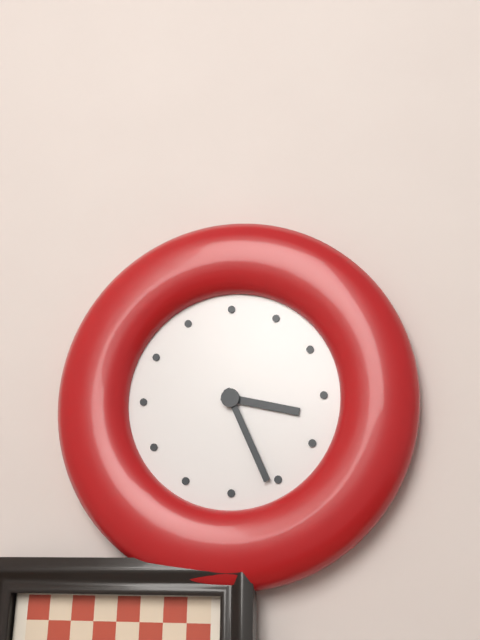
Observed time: 3.26
